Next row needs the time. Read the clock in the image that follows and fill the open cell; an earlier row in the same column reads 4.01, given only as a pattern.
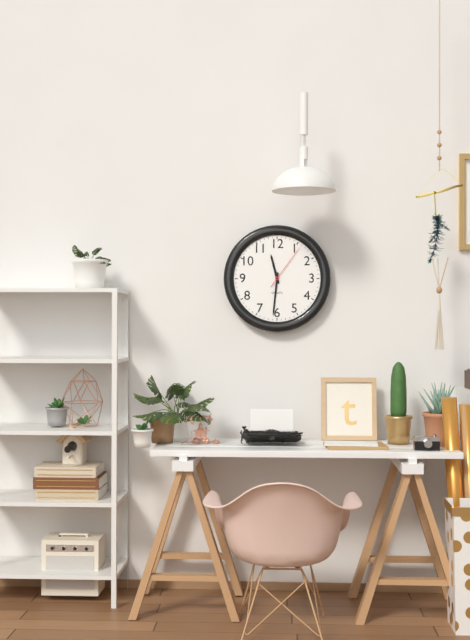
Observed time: 11.31
